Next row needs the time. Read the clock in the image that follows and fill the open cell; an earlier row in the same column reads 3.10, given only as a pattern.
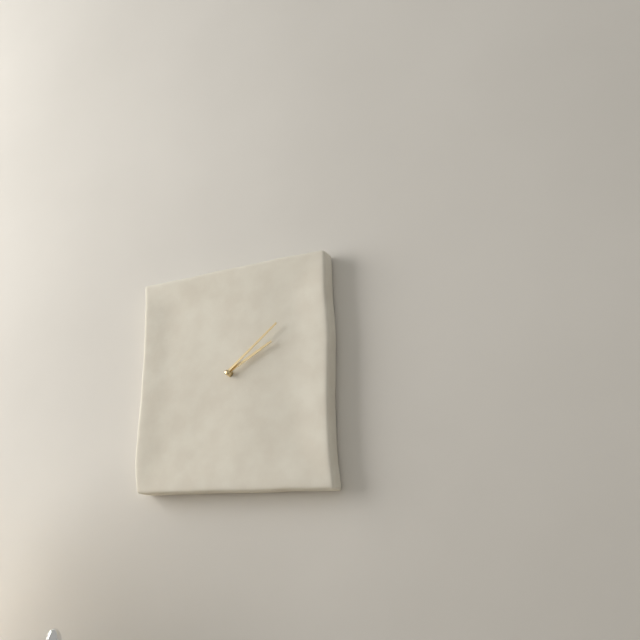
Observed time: 2.09
